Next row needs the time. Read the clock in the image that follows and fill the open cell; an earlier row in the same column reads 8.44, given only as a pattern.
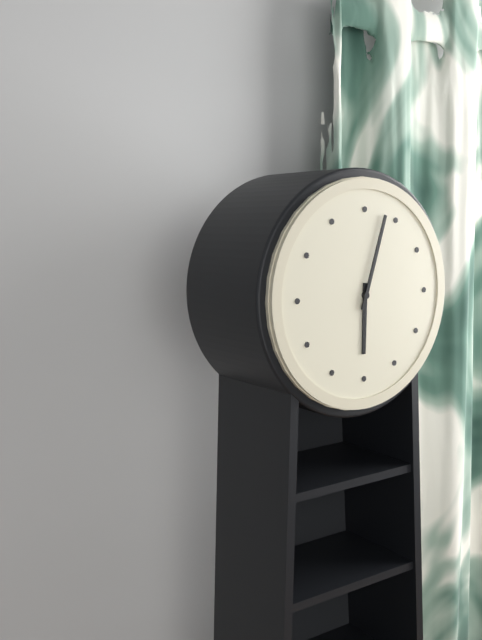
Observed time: 6.03
